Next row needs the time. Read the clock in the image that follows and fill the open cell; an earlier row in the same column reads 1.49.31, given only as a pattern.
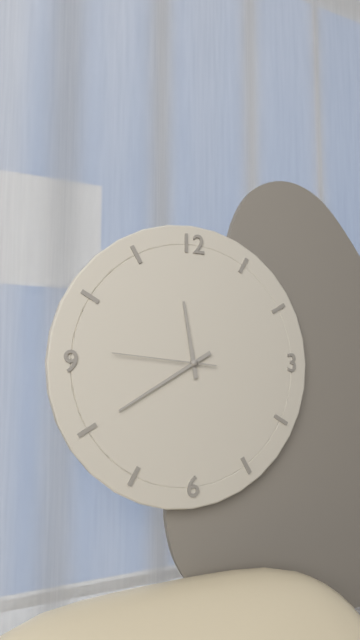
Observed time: 11.40.46
